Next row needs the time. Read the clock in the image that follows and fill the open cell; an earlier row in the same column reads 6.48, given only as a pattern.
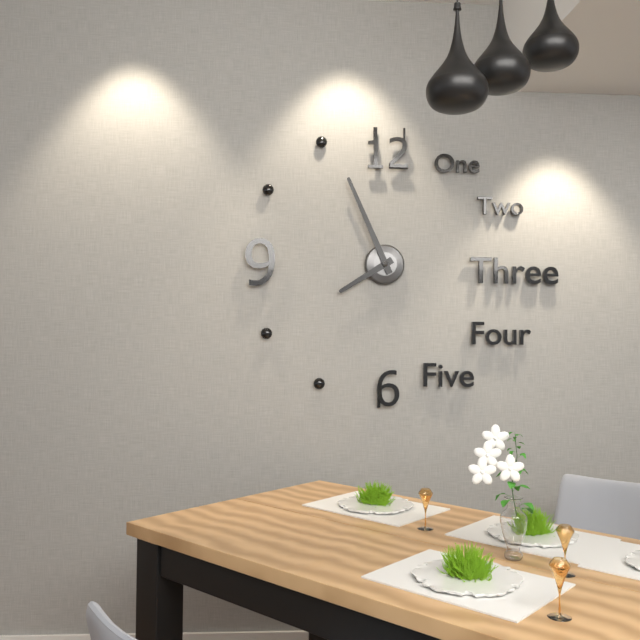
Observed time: 7.56
